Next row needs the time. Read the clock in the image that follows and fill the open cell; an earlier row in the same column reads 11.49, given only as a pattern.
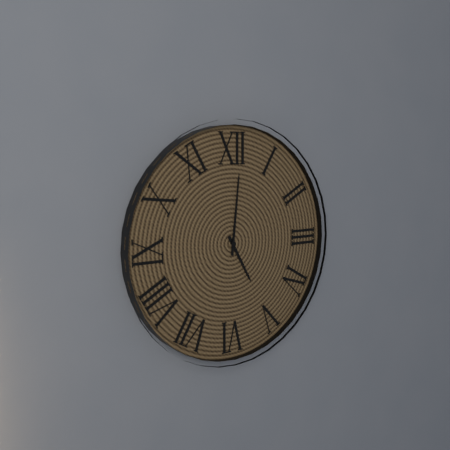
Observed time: 5.01
